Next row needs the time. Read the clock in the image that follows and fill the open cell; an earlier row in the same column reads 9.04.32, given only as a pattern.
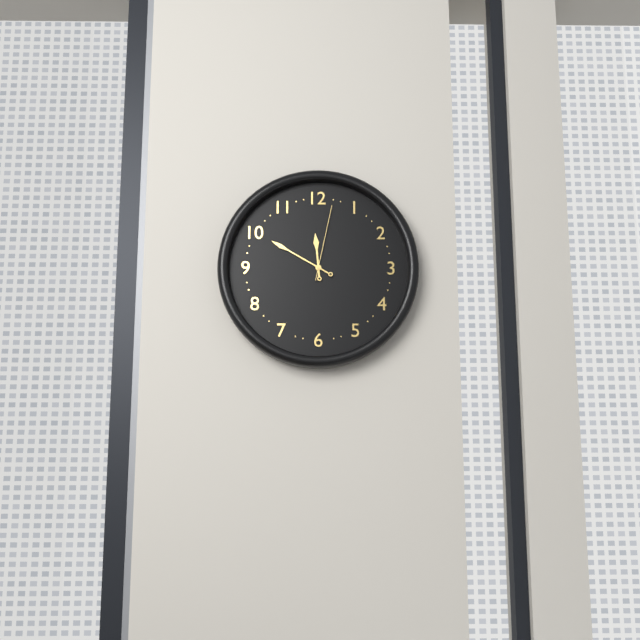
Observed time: 11.50.02
